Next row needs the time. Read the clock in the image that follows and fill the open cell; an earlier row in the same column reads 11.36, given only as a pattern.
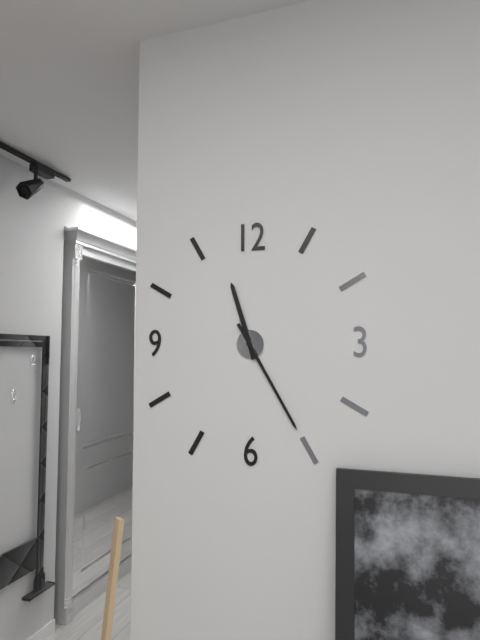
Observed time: 11.25
